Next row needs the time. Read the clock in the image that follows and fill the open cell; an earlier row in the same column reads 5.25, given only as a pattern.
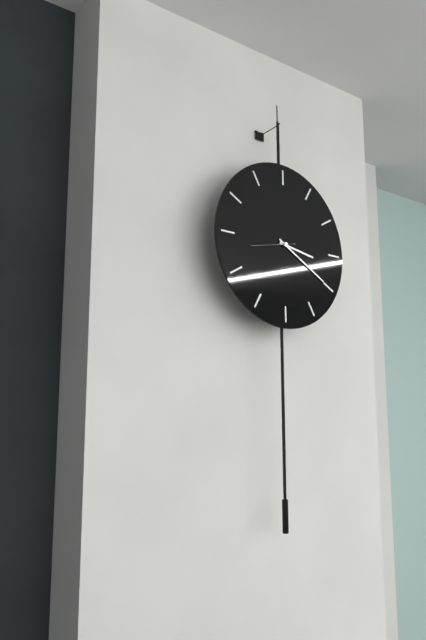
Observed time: 3.20
